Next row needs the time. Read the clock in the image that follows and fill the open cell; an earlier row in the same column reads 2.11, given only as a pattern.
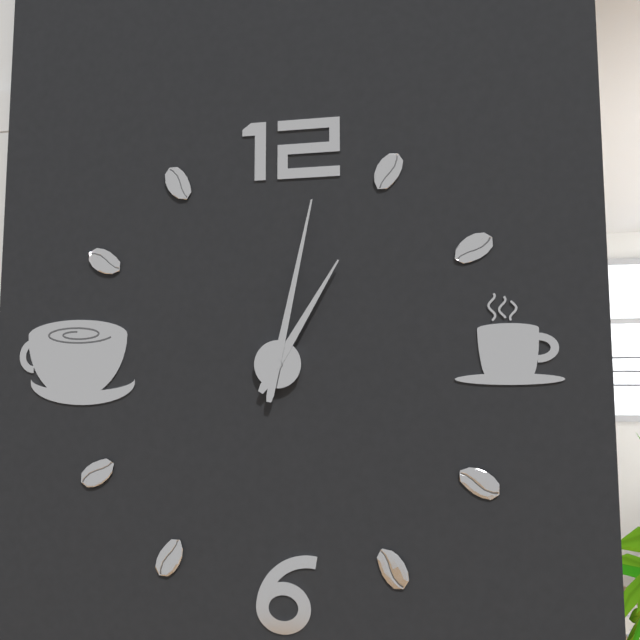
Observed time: 1.02
